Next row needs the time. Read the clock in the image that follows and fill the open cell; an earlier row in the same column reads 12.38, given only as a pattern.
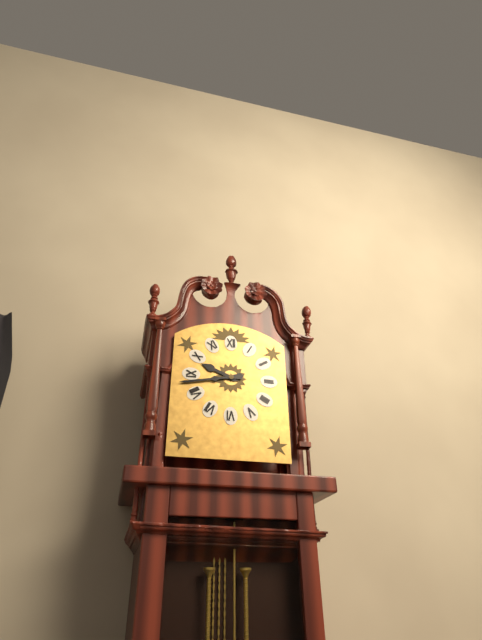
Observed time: 9.43
